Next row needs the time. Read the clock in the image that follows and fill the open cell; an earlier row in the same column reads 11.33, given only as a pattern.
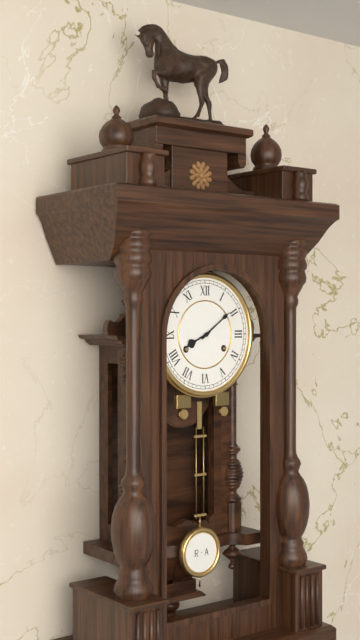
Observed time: 8.09
